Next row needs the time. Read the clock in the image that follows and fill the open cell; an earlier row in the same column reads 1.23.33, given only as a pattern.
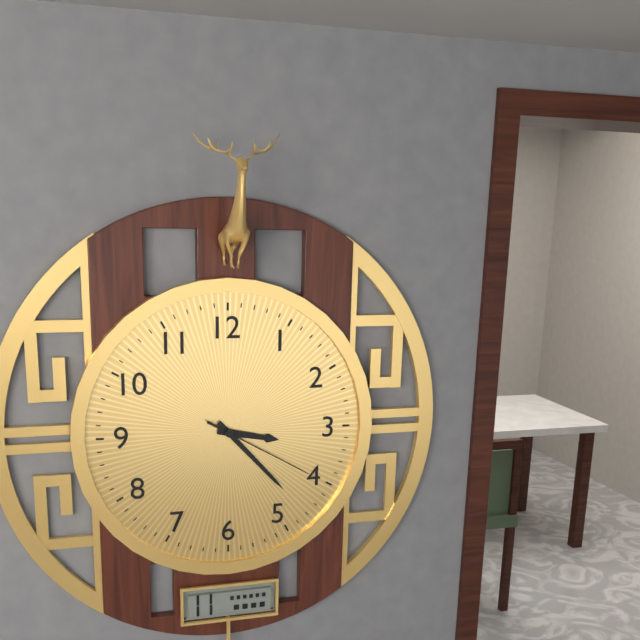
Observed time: 3.23.20
